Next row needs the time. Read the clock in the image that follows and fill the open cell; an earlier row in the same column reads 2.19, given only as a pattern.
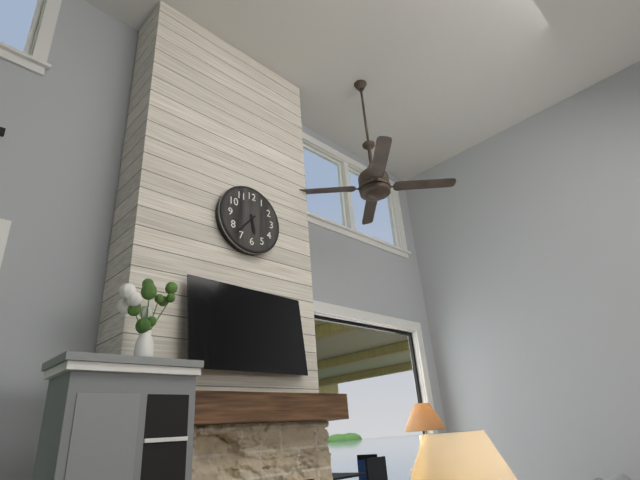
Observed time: 5.37
